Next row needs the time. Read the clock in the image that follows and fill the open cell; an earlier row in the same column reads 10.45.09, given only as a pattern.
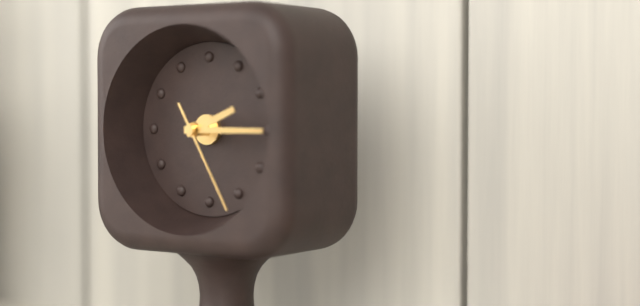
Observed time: 2.15.25
